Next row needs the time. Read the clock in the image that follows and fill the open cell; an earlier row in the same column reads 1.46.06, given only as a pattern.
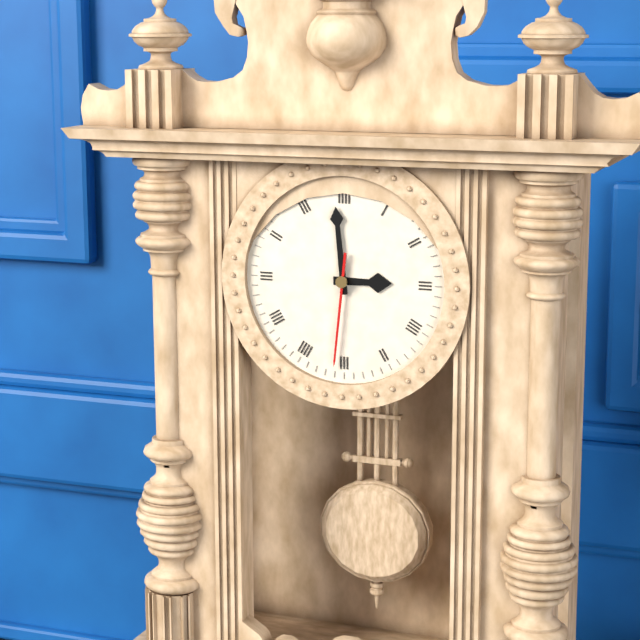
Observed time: 2.59.31
